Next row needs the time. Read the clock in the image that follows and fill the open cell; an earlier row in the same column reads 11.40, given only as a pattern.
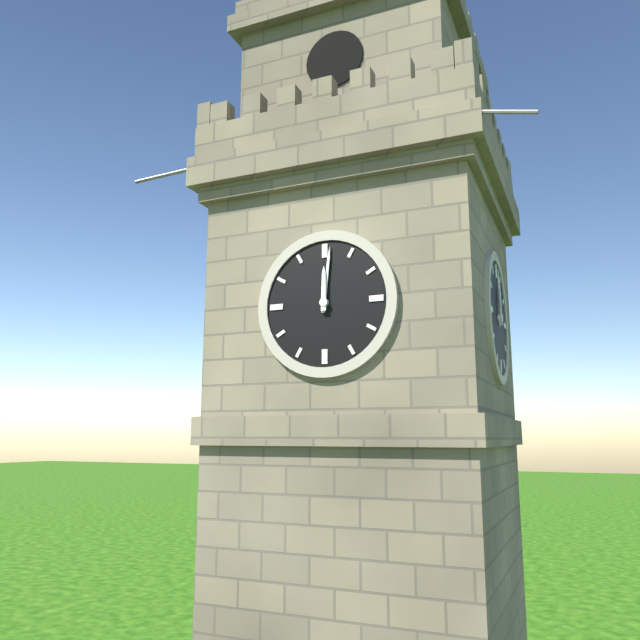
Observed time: 12.01
